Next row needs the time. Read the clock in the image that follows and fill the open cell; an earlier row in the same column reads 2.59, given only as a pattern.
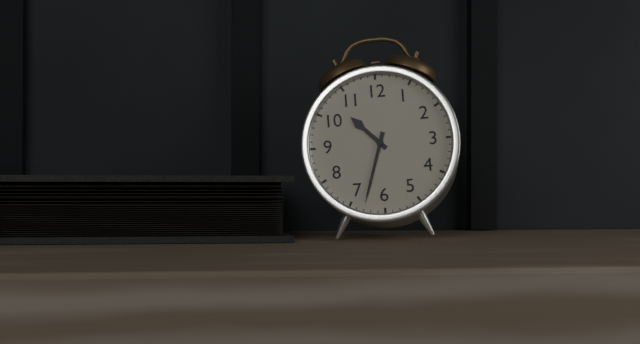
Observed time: 10.33
